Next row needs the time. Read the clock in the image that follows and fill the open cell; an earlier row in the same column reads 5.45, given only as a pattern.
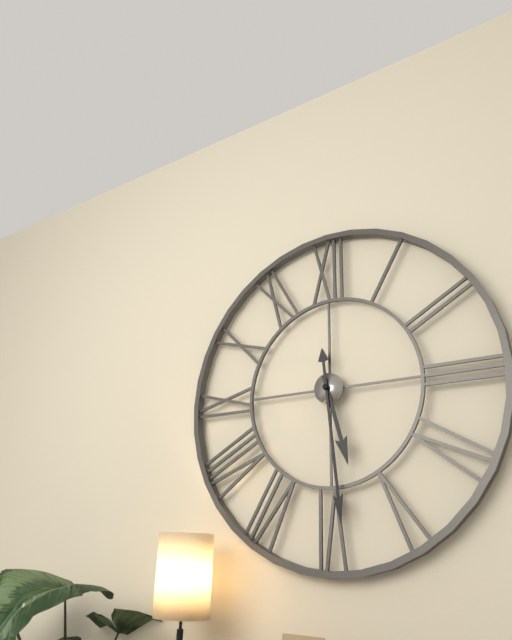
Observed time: 5.29
